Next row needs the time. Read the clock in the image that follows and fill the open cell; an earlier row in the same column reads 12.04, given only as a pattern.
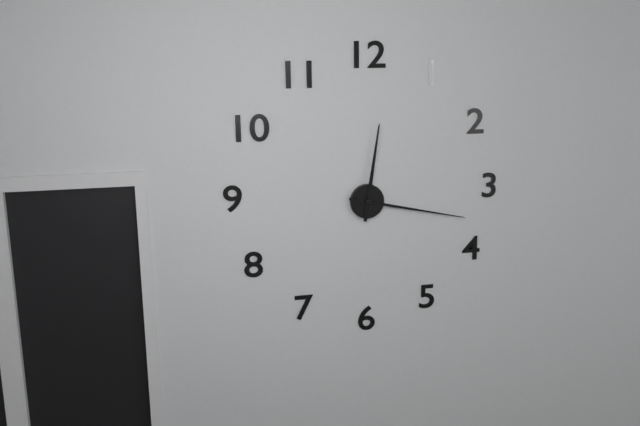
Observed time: 12.17
